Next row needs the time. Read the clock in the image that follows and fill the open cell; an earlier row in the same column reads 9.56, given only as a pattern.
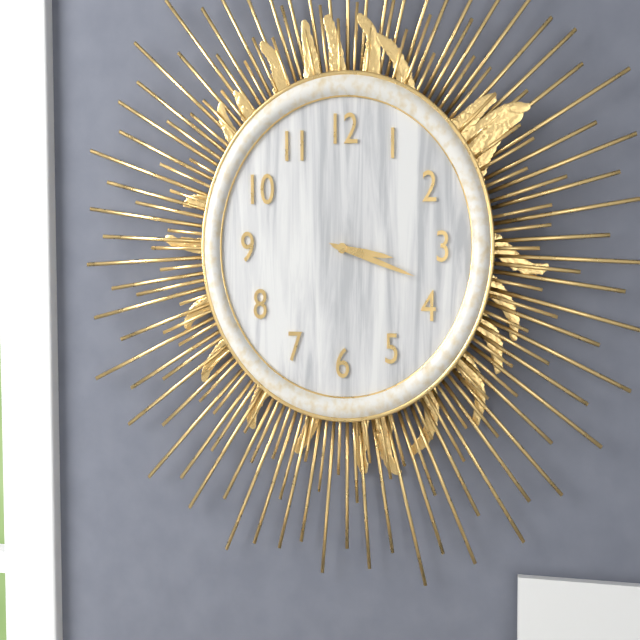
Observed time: 3.18
